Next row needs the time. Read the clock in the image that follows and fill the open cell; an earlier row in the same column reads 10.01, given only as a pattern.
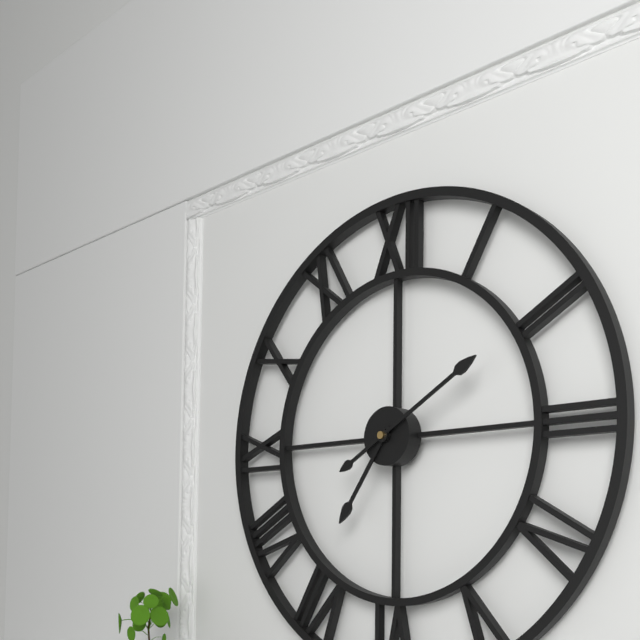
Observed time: 7.10
